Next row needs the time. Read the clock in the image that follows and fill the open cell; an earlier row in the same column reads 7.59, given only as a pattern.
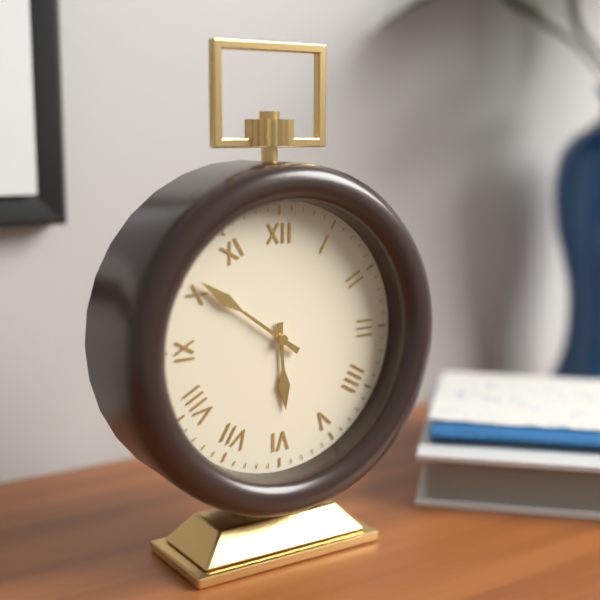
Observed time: 5.51
